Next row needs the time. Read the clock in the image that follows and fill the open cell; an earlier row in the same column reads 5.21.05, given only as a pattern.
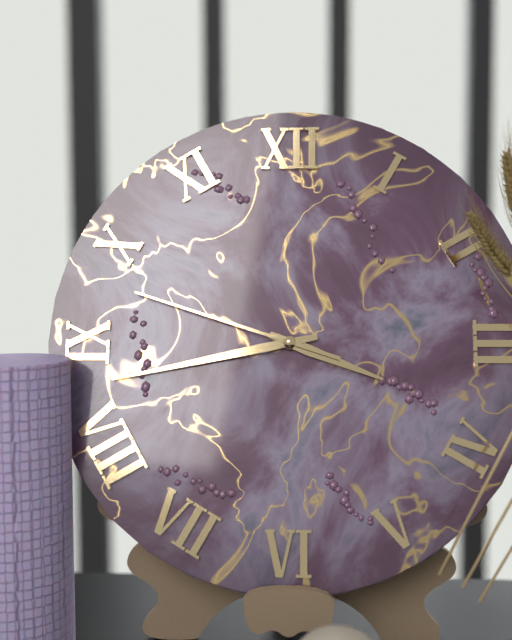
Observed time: 3.43.48
